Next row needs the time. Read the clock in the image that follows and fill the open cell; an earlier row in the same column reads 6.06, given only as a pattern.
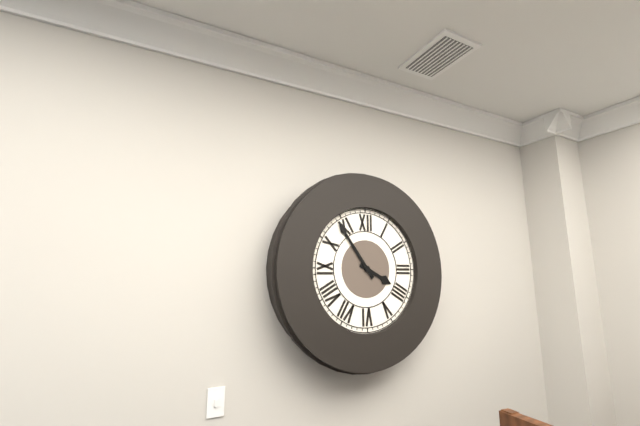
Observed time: 3.54
